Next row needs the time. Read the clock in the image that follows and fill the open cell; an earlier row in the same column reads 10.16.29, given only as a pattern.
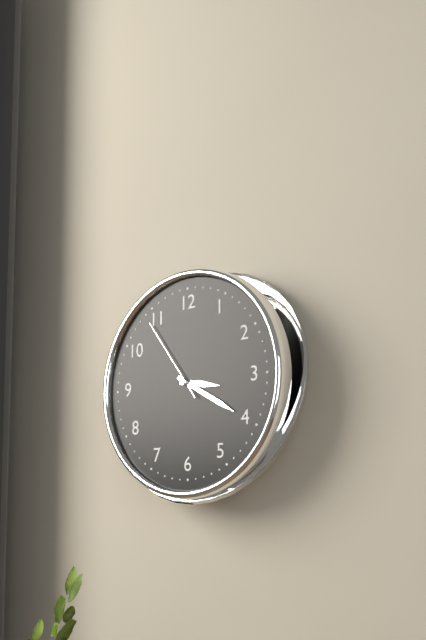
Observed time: 3.20.54
